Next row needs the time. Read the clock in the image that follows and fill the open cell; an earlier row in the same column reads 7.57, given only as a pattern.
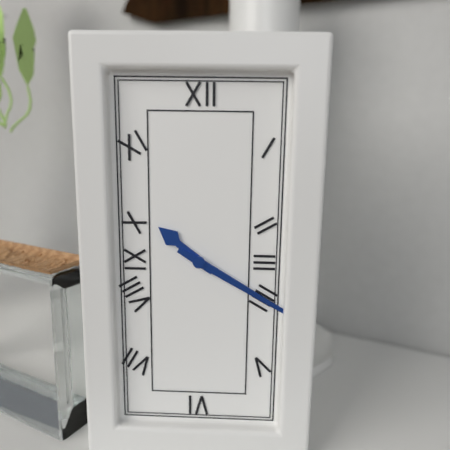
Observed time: 10.20
